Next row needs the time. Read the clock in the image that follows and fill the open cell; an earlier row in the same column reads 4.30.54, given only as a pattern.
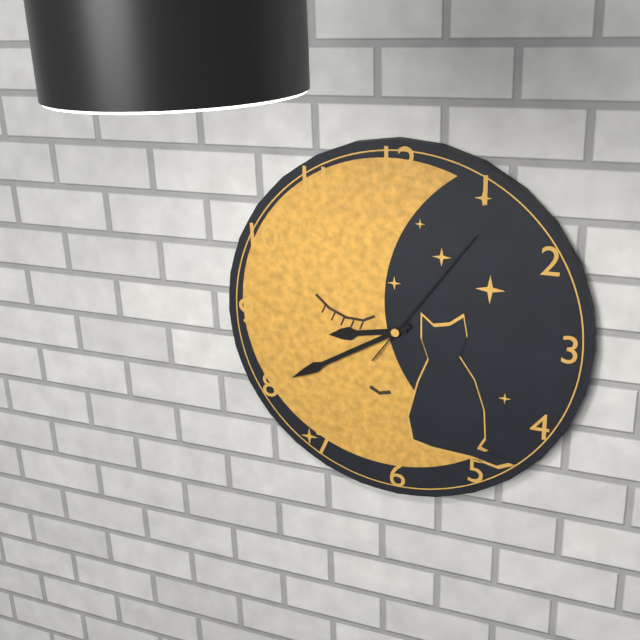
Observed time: 8.40.06
